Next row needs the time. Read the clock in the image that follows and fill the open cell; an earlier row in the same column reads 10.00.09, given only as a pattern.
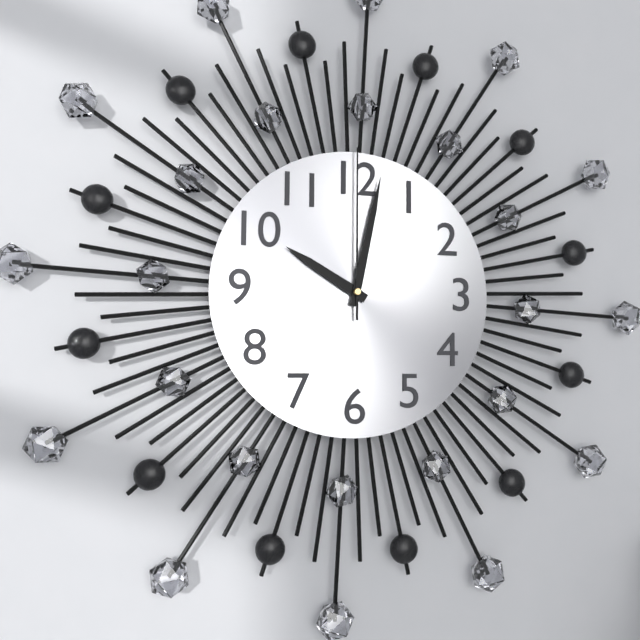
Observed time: 10.02.00
